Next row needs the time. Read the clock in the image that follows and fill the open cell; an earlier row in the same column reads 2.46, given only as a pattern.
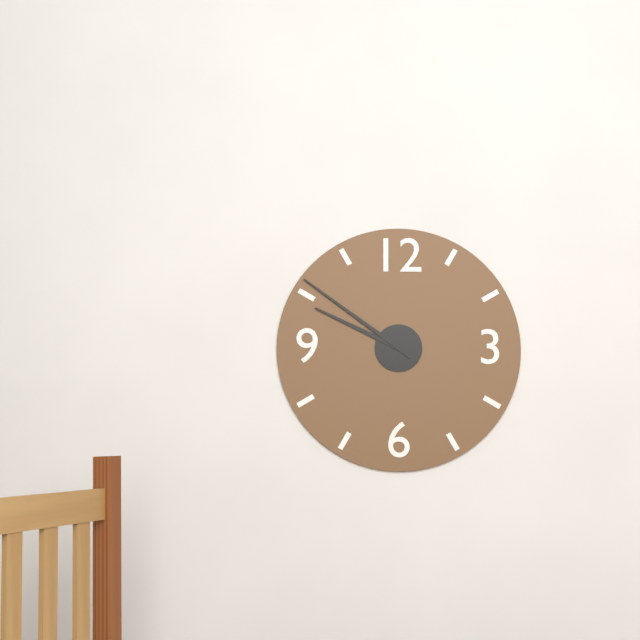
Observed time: 9.51
